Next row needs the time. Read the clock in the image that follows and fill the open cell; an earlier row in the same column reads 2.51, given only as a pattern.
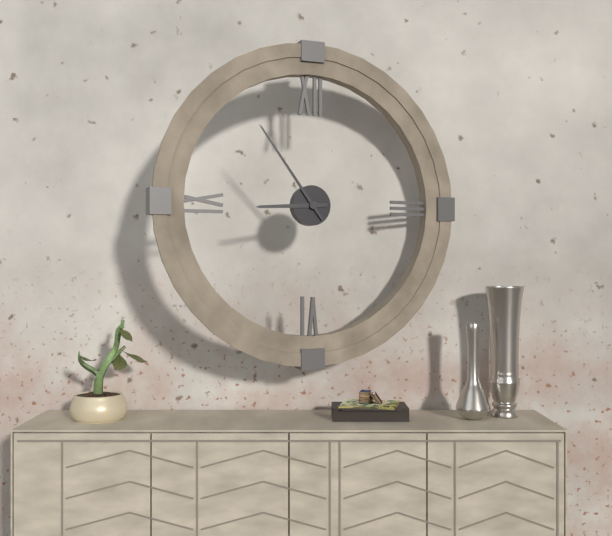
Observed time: 8.54
